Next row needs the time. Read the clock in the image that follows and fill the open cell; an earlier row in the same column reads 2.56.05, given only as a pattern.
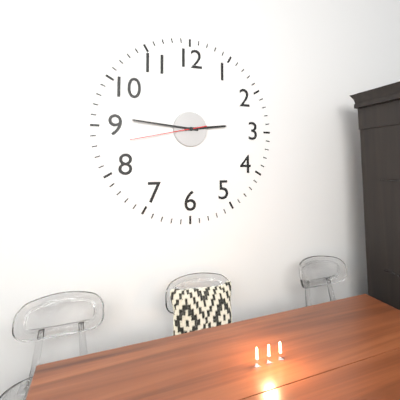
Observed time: 2.46.43
